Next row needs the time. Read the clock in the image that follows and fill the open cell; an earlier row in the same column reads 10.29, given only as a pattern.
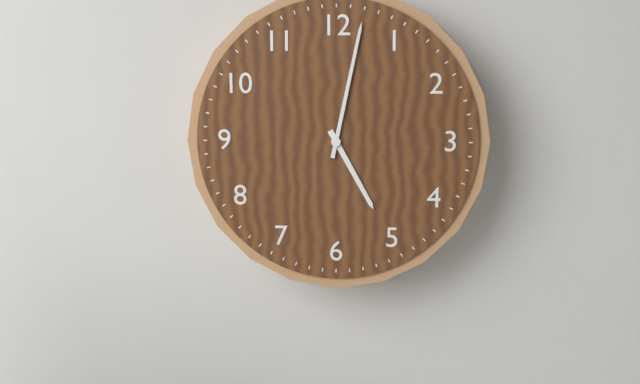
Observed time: 5.02
